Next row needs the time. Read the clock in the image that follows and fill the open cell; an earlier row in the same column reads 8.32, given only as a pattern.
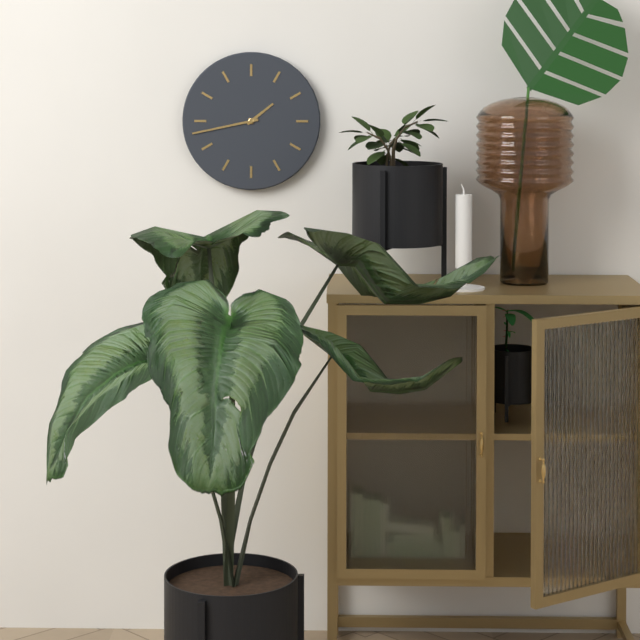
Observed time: 1.43
